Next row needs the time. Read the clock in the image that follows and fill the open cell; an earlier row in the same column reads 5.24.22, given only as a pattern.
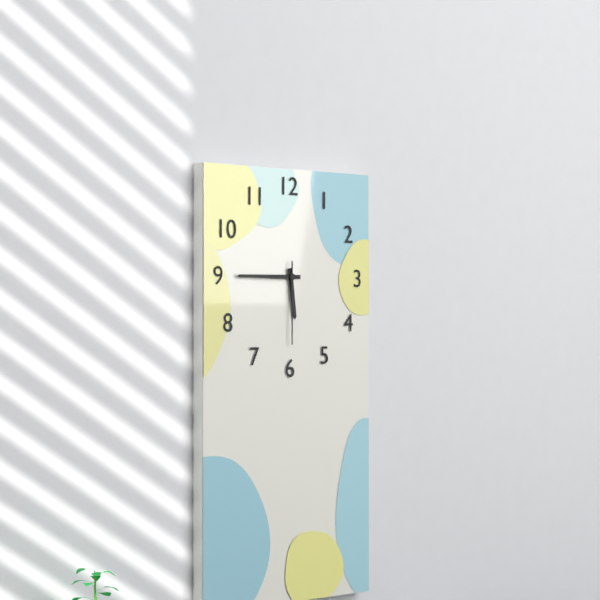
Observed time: 5.45.30
